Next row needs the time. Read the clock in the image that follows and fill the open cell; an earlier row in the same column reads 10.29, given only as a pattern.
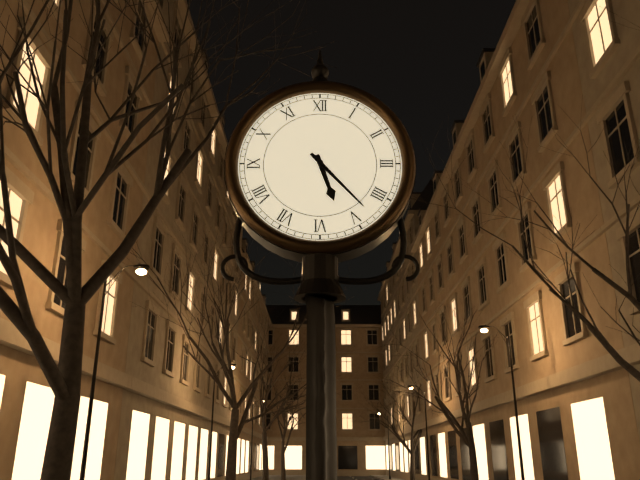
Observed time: 5.23
